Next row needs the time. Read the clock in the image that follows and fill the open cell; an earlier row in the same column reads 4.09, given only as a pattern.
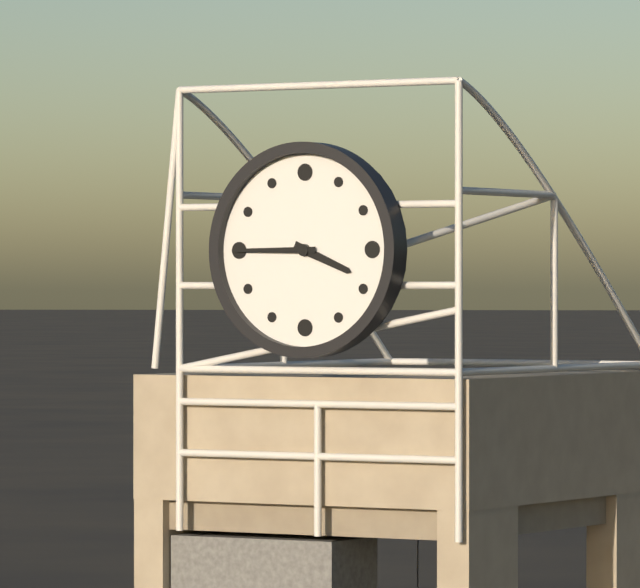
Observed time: 3.45
